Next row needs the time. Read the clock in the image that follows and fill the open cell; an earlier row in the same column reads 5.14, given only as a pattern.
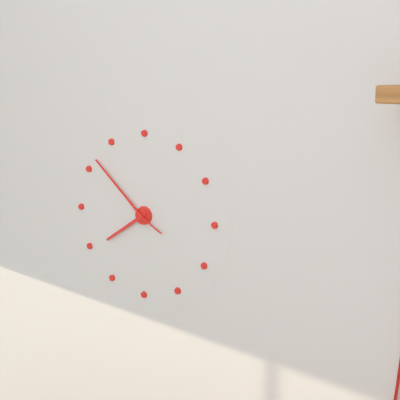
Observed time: 7.52
